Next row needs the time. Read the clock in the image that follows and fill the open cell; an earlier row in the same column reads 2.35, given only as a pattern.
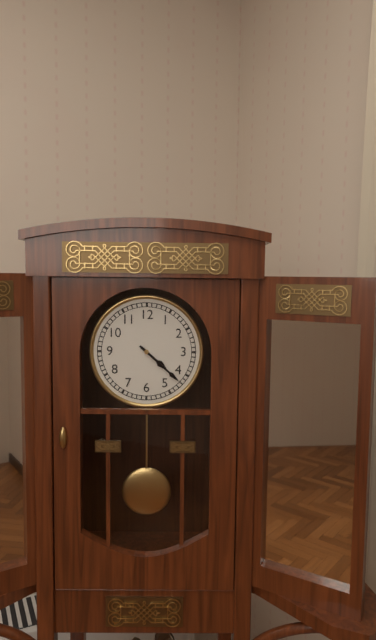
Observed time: 4.22
